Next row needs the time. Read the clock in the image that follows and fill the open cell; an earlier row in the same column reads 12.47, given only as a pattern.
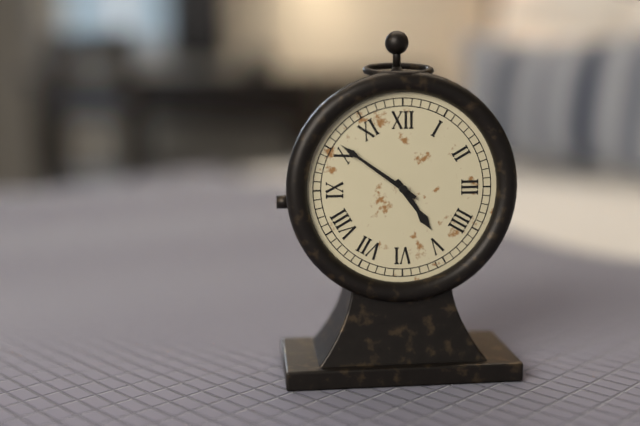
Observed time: 4.51
